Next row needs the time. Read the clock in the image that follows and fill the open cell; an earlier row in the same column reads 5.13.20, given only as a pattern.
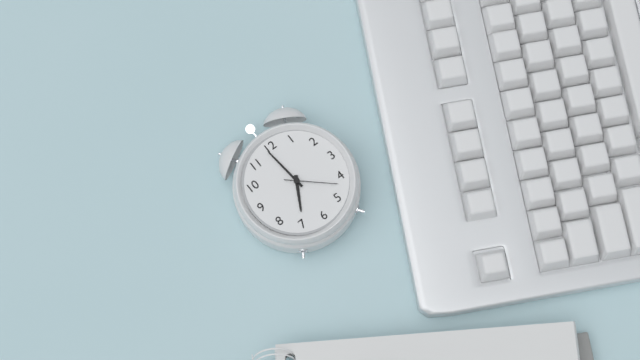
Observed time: 6.59.22
